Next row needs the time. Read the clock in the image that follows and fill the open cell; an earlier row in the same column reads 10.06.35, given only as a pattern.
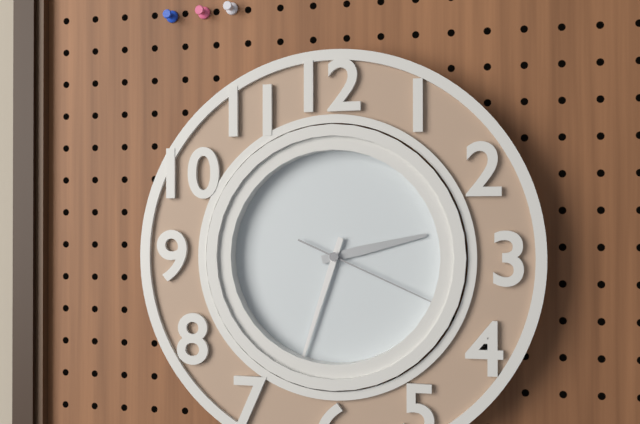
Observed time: 2.33.19
